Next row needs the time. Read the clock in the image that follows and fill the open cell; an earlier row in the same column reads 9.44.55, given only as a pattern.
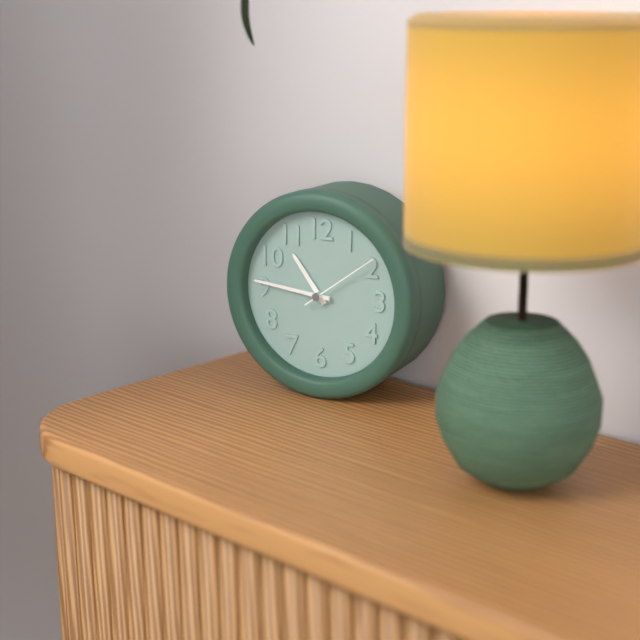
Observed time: 10.46.09
